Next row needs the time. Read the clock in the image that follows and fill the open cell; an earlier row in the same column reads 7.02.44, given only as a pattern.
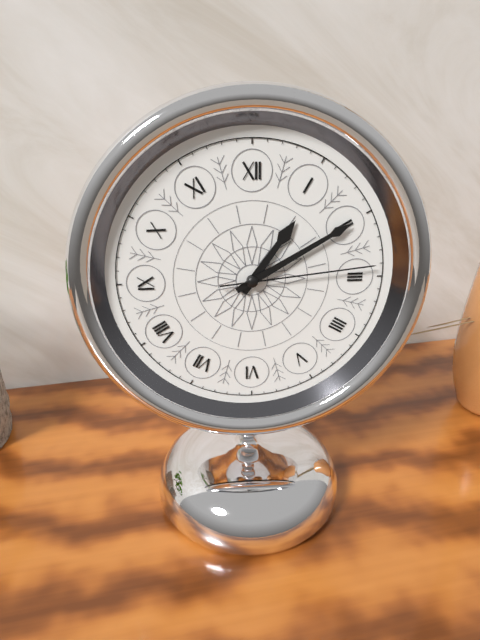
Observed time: 1.10.14
